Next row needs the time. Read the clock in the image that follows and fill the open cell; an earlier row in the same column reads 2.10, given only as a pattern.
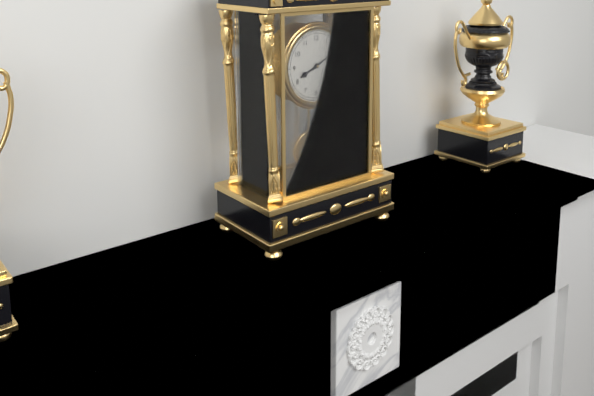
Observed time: 8.10
